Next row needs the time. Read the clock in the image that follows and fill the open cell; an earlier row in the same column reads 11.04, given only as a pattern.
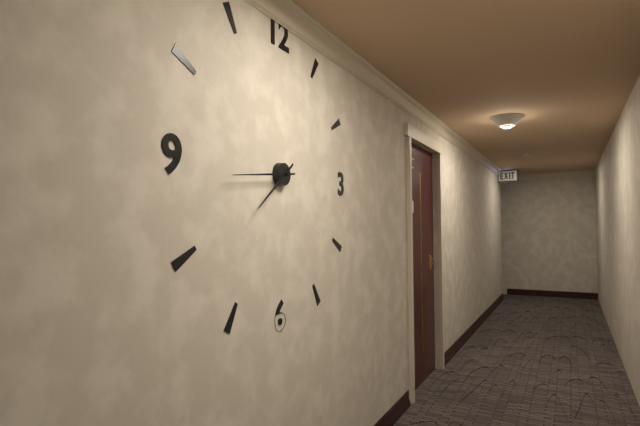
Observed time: 7.44
